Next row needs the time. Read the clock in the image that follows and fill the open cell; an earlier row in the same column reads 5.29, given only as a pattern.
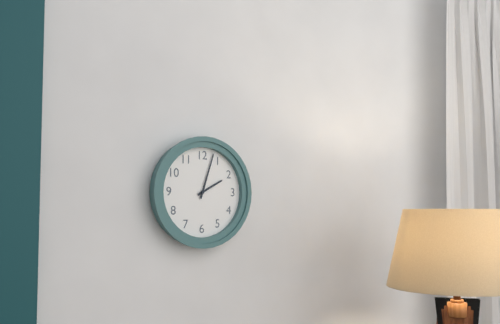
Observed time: 2.03
